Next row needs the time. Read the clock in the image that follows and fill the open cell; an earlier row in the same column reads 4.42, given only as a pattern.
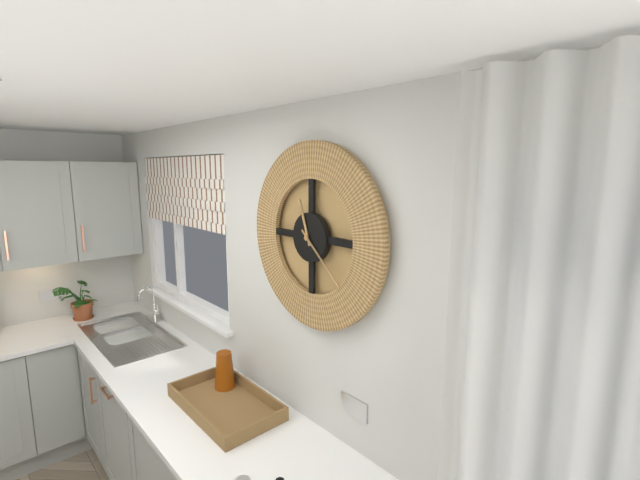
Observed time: 11.22
